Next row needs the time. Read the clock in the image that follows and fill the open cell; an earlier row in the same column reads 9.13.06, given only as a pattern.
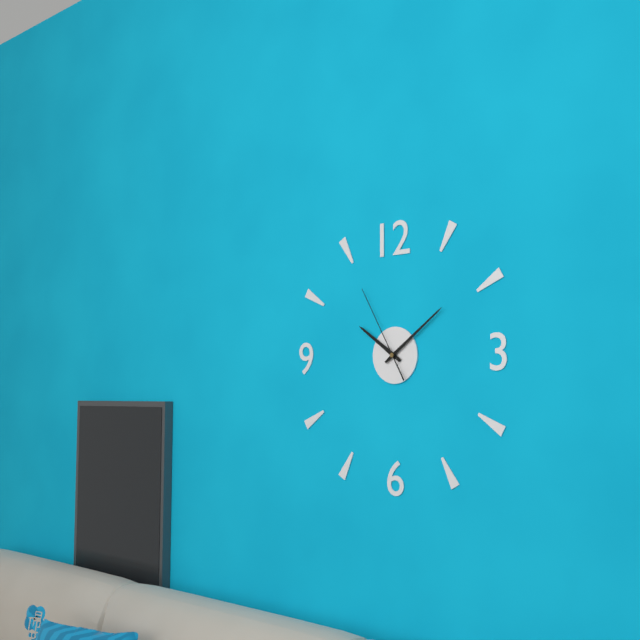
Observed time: 10.09.55
